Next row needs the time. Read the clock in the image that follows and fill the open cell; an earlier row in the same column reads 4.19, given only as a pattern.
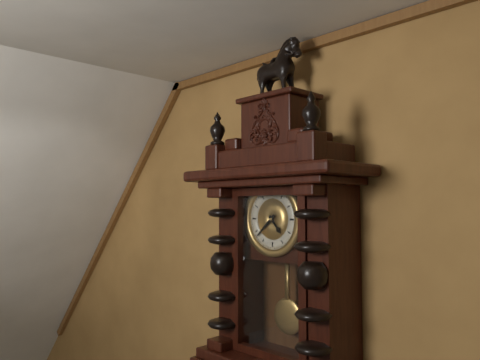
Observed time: 4.38
